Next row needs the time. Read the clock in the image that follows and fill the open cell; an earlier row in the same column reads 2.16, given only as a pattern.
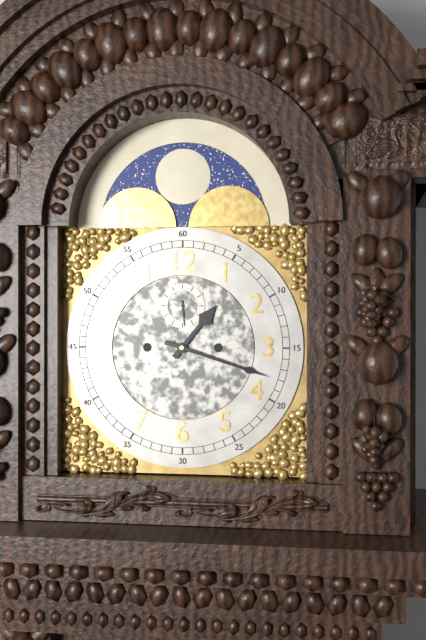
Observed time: 1.18
